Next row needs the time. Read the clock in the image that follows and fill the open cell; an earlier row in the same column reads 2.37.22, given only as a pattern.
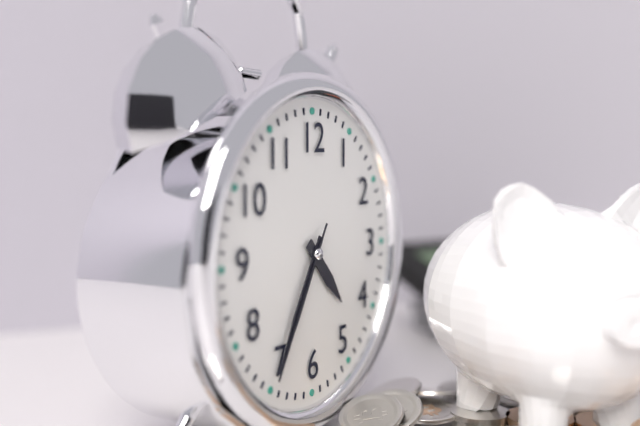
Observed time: 4.35.35
